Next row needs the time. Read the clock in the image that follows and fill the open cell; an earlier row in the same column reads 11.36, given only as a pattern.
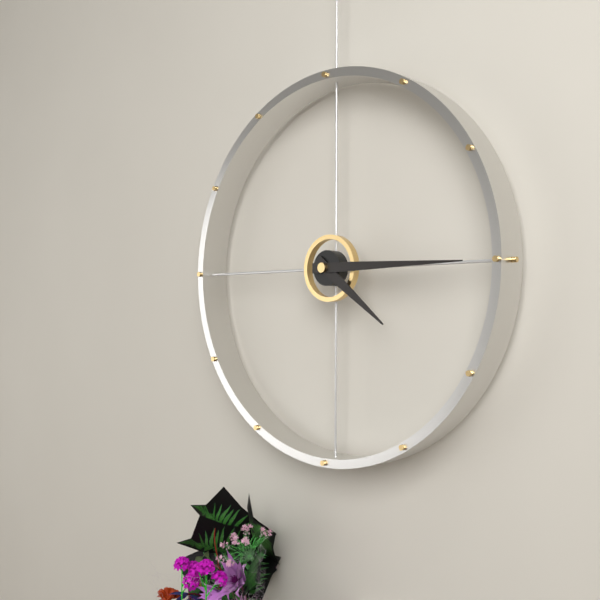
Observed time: 4.15
